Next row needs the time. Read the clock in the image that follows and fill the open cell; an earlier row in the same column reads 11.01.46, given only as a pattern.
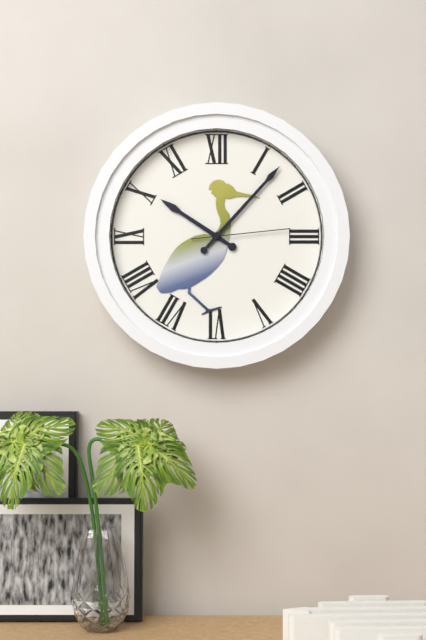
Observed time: 10.07.14
